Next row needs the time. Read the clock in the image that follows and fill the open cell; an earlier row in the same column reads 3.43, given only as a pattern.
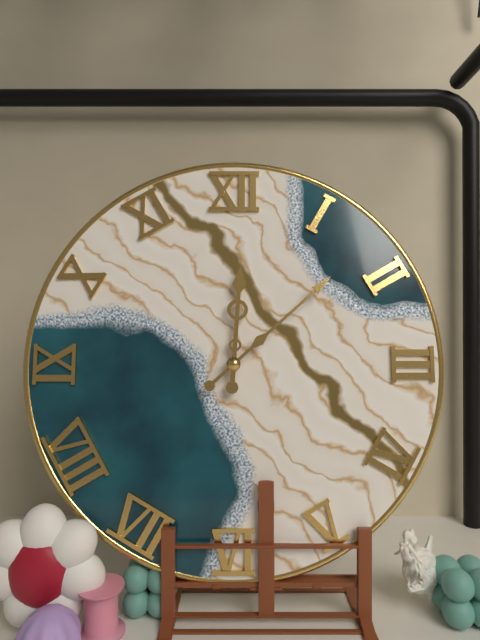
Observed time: 12.08
